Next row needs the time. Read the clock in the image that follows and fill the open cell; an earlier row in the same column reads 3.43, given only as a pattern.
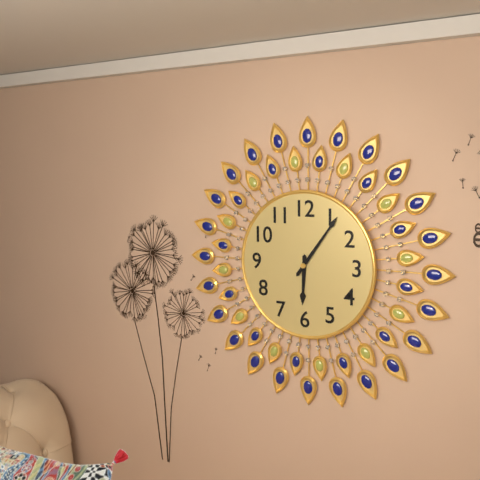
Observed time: 6.06
